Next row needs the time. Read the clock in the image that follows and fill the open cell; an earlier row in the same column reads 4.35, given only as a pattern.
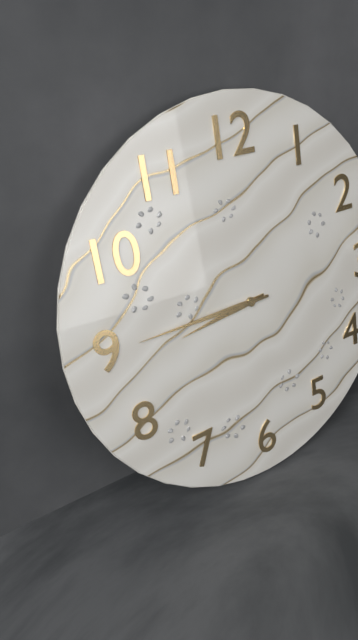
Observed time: 8.45
